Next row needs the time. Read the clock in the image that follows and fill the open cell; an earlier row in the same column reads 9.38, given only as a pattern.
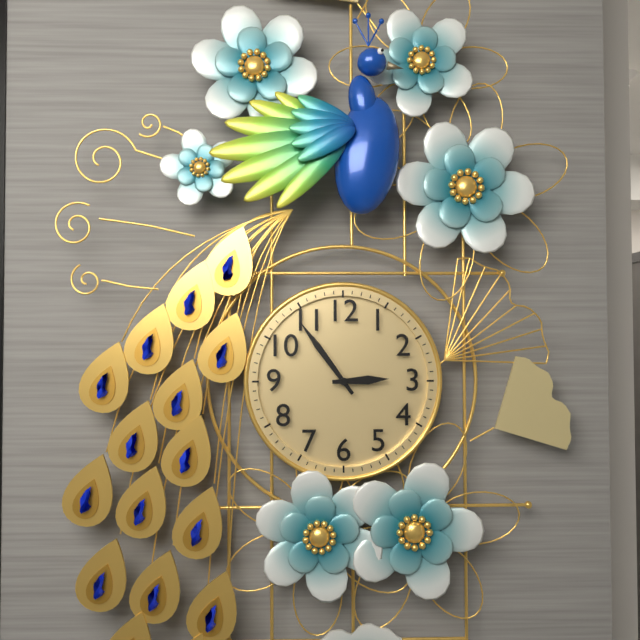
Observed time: 2.54
